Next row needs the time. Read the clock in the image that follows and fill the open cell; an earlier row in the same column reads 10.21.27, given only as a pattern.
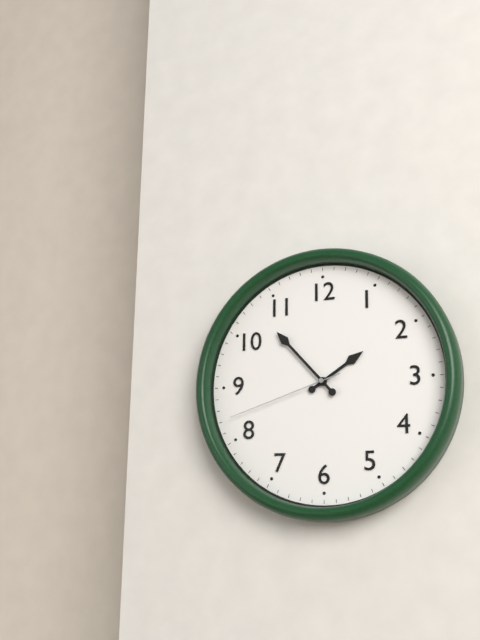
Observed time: 1.53.42
